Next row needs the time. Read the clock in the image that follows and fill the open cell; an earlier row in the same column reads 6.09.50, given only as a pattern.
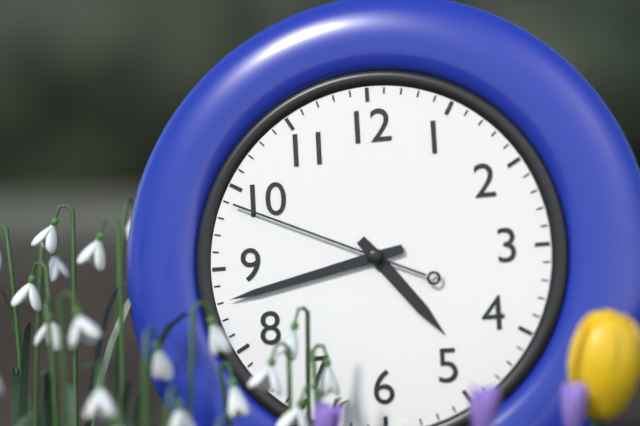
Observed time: 4.43.49
